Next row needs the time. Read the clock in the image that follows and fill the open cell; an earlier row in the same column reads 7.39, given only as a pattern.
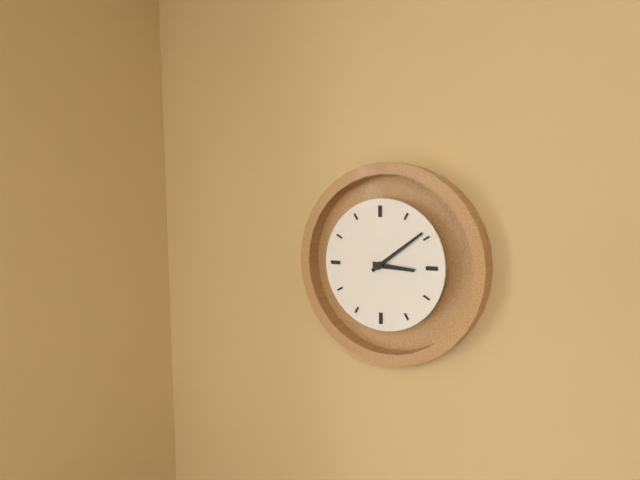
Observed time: 3.09
